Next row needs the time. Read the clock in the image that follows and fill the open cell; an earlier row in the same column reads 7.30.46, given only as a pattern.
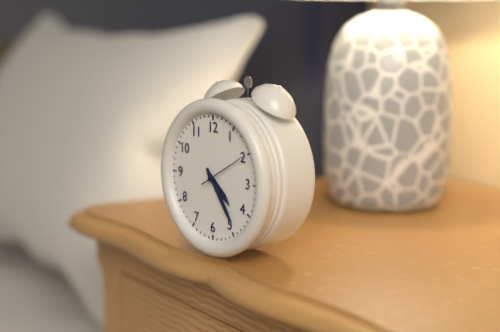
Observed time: 4.24.10
